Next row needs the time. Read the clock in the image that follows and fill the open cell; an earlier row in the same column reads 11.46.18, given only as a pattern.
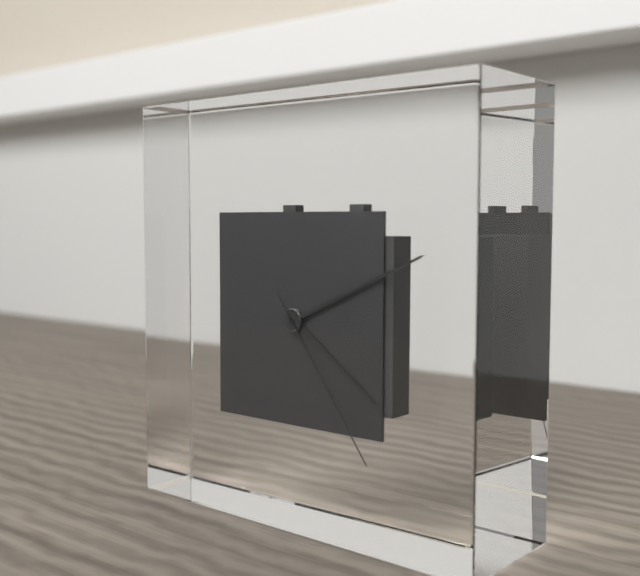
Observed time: 4.11.24
